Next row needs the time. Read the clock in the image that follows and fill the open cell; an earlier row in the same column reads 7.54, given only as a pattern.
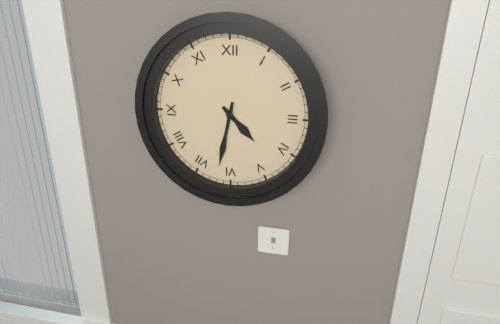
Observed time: 4.32
